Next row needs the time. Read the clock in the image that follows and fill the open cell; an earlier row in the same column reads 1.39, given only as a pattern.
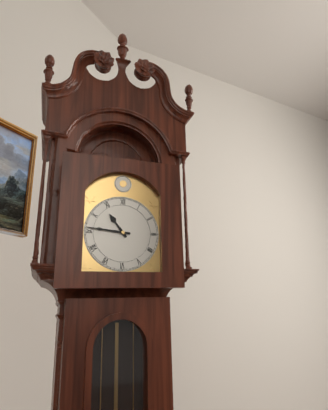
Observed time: 10.46
